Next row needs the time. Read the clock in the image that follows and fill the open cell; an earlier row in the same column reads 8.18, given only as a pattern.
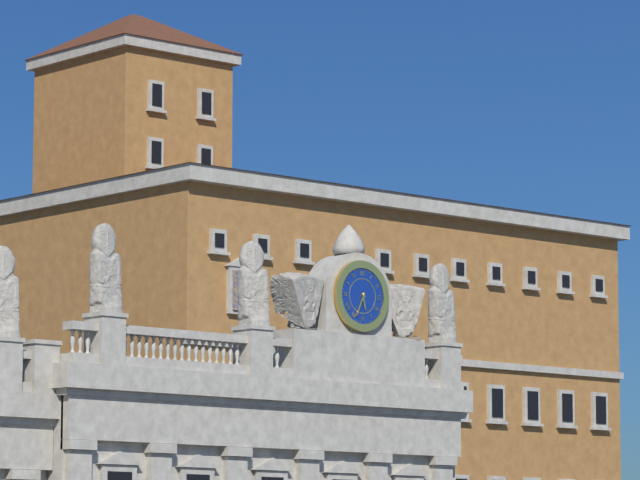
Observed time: 5.34
